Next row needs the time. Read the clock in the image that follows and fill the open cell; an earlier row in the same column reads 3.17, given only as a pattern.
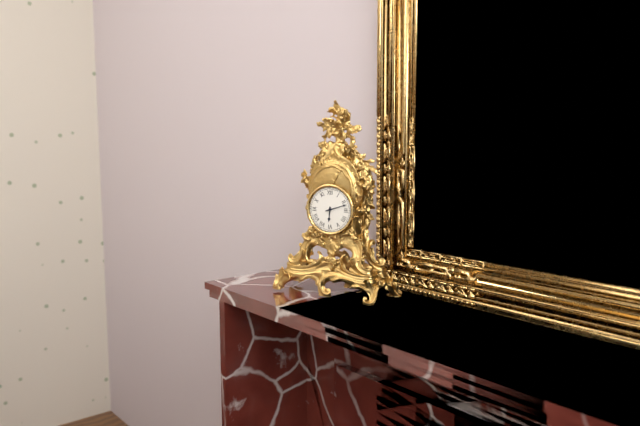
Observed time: 6.12
